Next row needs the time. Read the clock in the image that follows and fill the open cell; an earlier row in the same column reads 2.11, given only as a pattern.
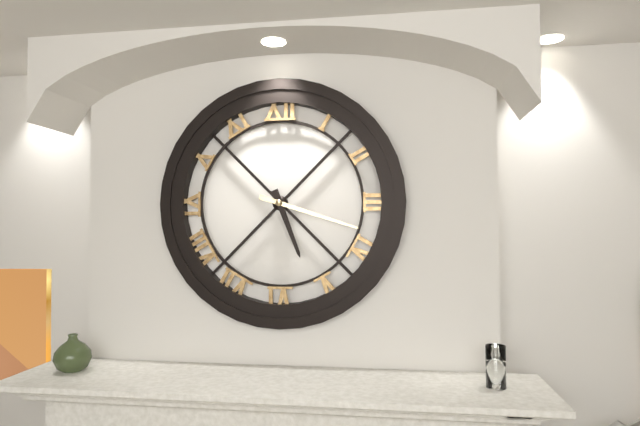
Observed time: 5.18
